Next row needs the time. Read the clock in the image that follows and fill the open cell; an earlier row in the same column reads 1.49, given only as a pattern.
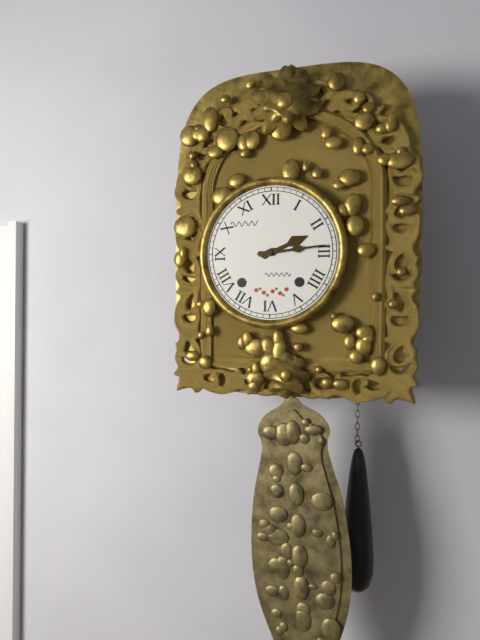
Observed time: 2.14
